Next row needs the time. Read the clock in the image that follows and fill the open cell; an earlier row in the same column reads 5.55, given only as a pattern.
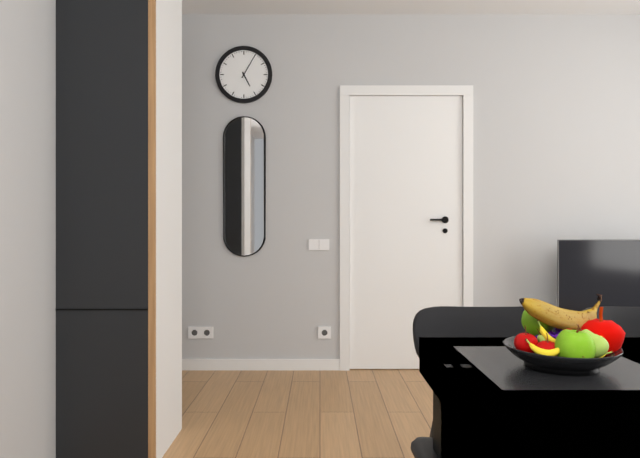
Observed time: 5.05
